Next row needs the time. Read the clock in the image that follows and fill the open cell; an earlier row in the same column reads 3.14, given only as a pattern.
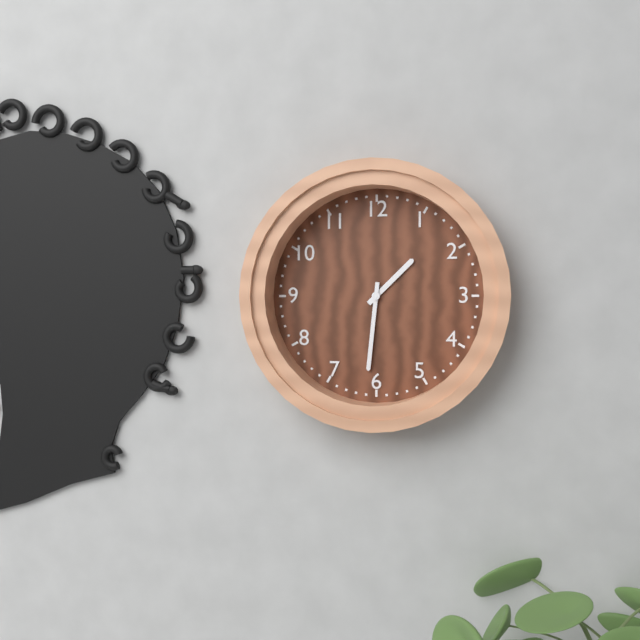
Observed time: 1.31
